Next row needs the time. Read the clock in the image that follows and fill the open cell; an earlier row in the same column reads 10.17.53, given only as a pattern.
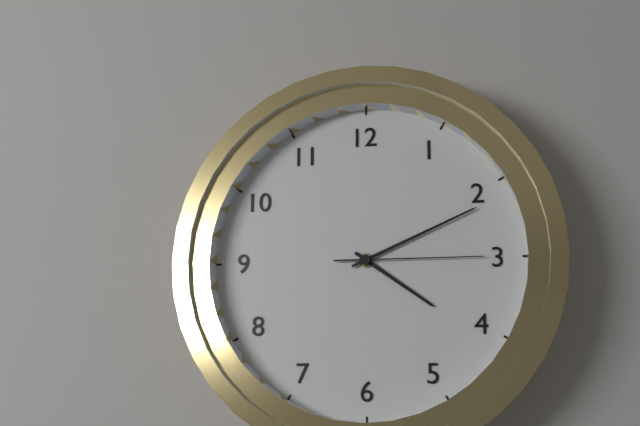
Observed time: 4.11.15
